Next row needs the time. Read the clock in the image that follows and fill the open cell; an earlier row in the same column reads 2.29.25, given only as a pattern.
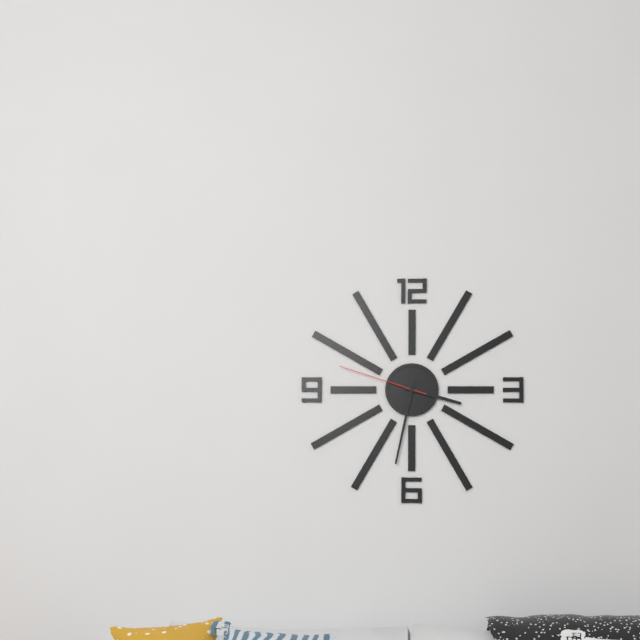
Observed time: 3.32.48
